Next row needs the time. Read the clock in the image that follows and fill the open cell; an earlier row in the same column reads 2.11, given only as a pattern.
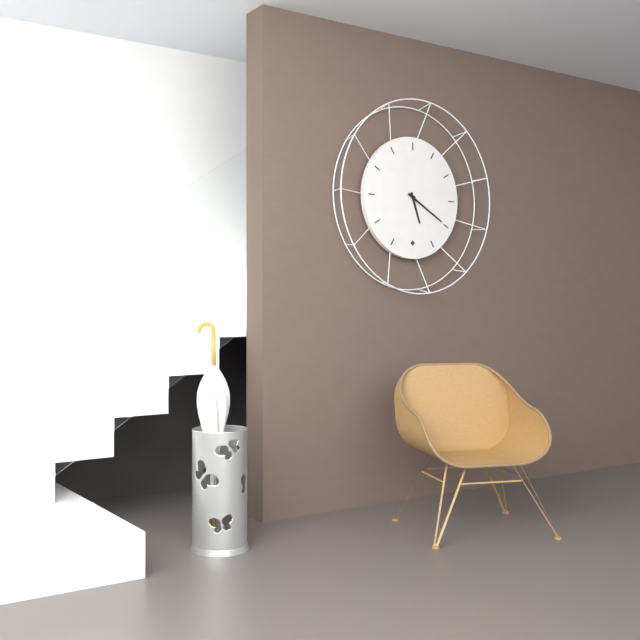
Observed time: 5.20
